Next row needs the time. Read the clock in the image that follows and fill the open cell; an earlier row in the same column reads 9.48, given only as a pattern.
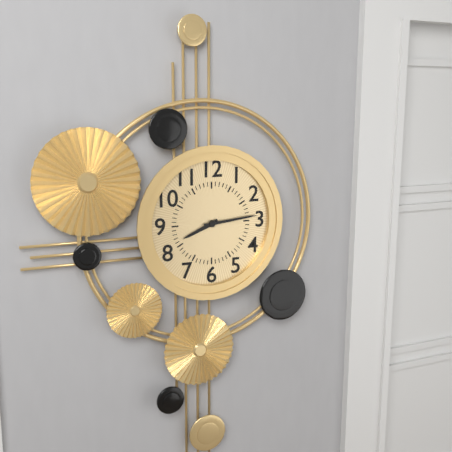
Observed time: 8.14
